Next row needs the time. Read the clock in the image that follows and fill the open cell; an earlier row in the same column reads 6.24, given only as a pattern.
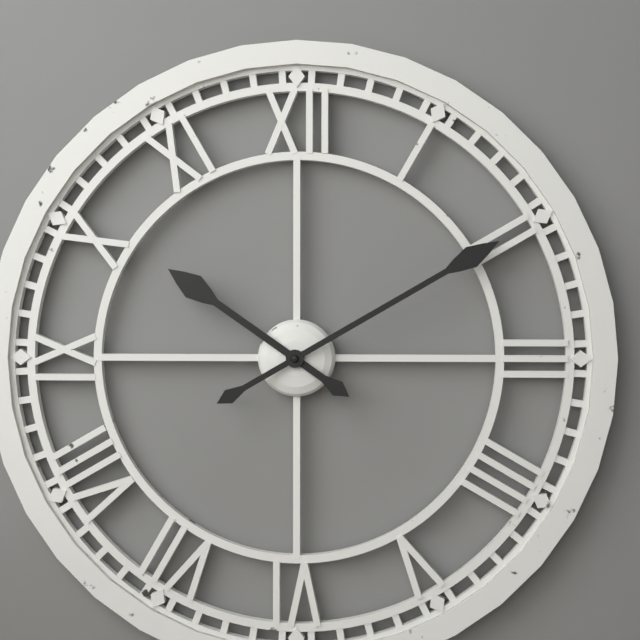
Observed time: 10.10
